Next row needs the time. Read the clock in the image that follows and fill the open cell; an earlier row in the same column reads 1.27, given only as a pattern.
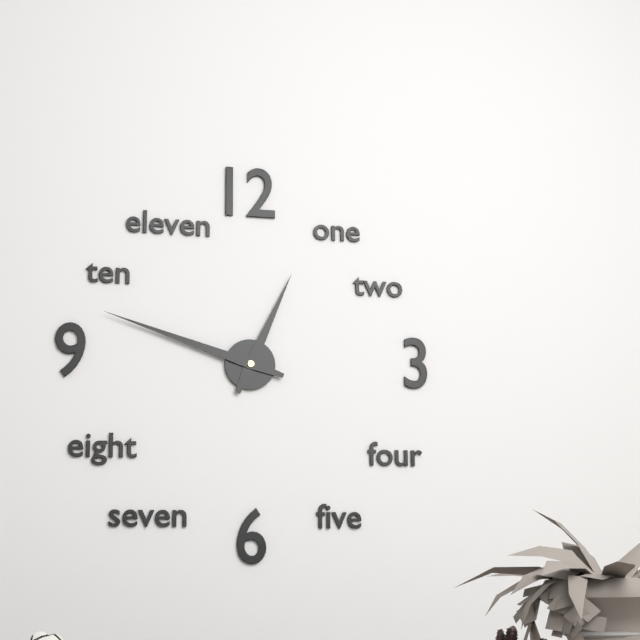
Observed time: 12.48
